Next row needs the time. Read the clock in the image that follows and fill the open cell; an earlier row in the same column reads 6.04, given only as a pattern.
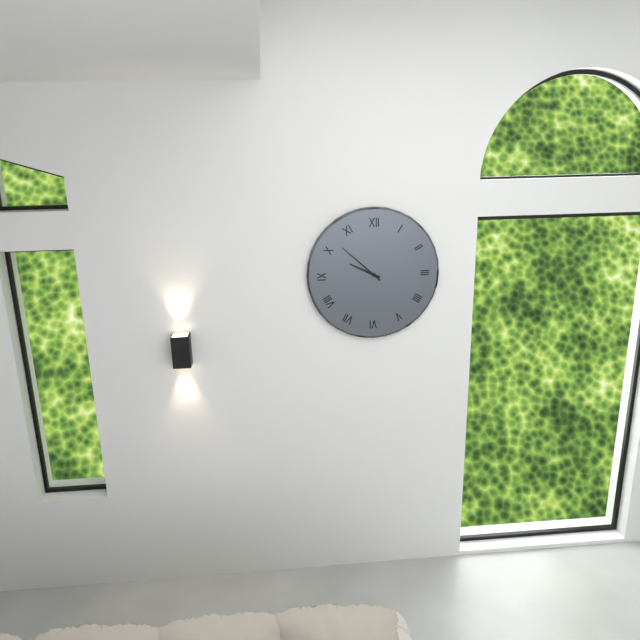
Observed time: 9.52
